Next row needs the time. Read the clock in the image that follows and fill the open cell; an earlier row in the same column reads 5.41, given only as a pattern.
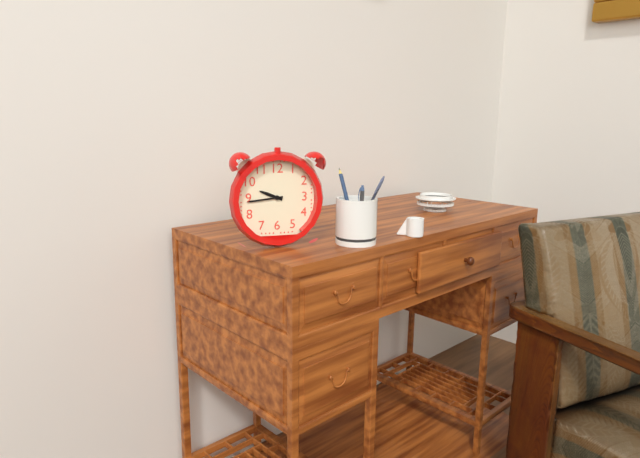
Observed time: 9.44
